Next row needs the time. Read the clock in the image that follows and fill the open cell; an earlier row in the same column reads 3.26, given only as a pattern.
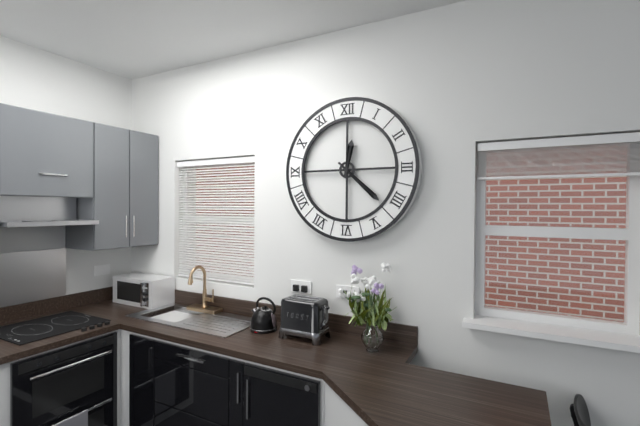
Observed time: 12.22
